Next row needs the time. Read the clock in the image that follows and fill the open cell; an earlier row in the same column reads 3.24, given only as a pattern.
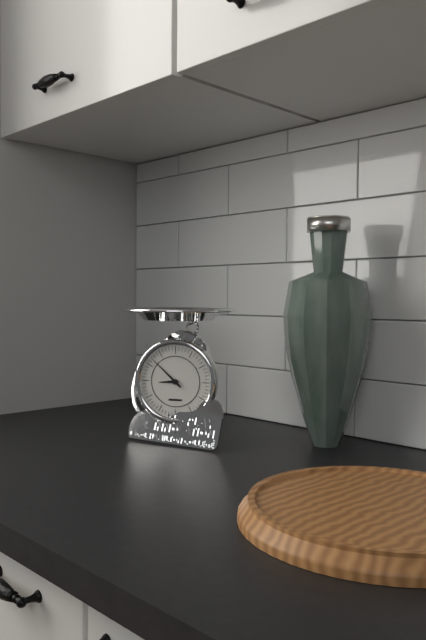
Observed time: 8.52
